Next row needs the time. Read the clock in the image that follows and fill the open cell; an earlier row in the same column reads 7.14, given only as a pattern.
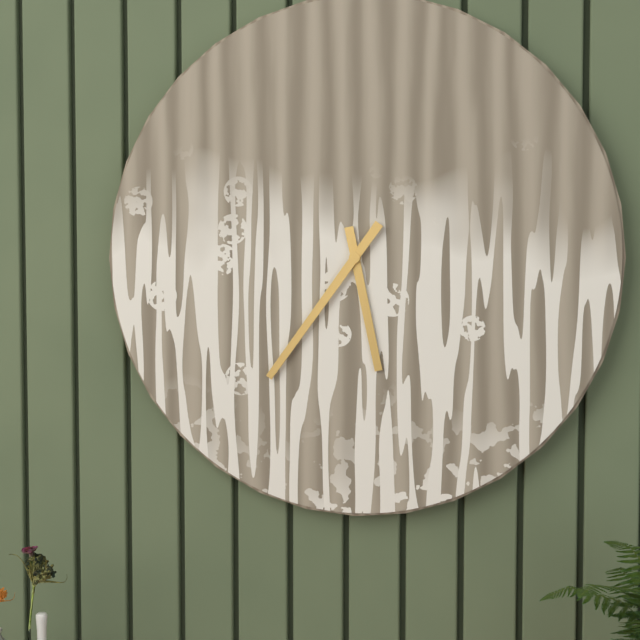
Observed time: 5.36
